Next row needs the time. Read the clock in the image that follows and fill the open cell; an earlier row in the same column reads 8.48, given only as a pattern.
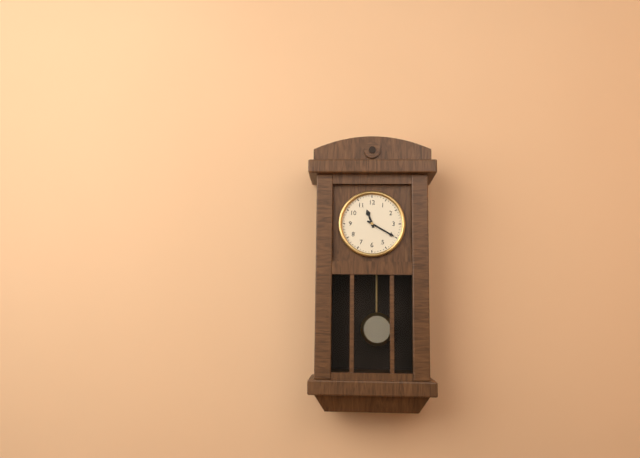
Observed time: 11.20
